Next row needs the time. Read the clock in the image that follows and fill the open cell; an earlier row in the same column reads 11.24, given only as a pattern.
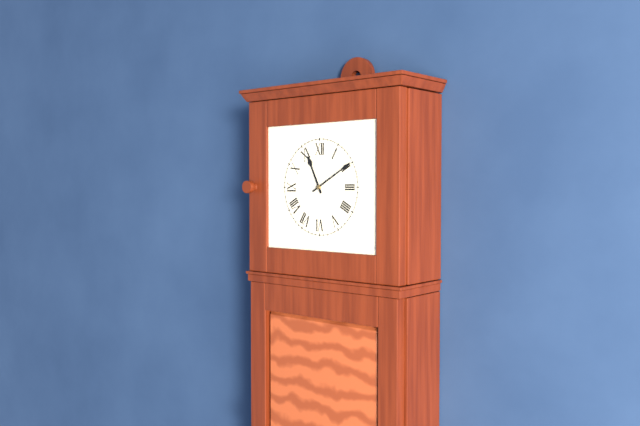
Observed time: 11.10
